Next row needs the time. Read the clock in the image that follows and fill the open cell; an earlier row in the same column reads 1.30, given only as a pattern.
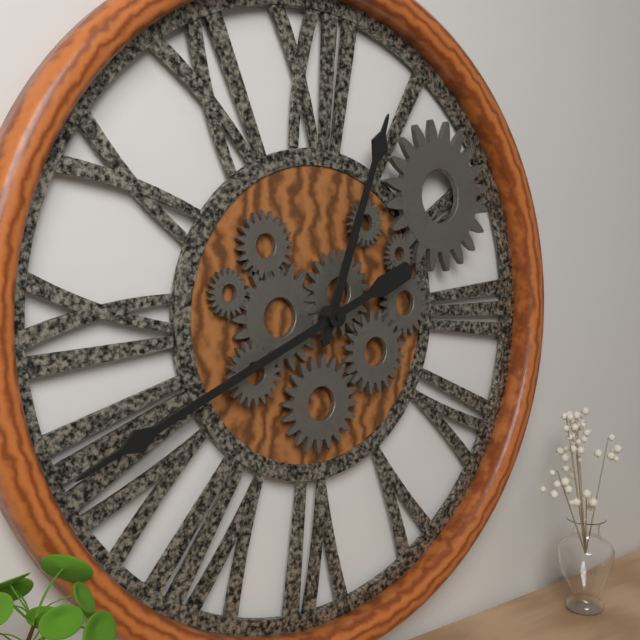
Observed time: 12.41
